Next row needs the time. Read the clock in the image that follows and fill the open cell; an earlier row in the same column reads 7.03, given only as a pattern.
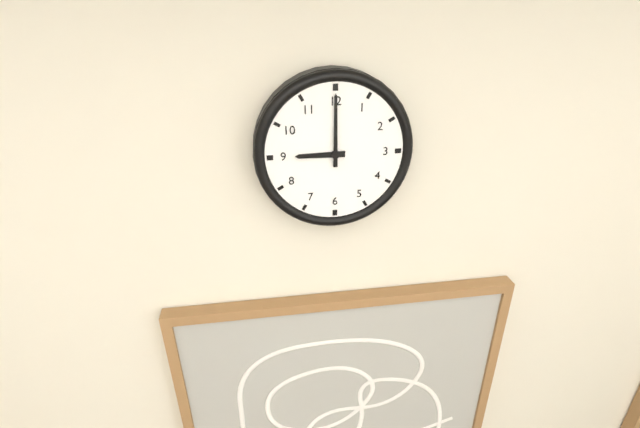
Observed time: 9.00
